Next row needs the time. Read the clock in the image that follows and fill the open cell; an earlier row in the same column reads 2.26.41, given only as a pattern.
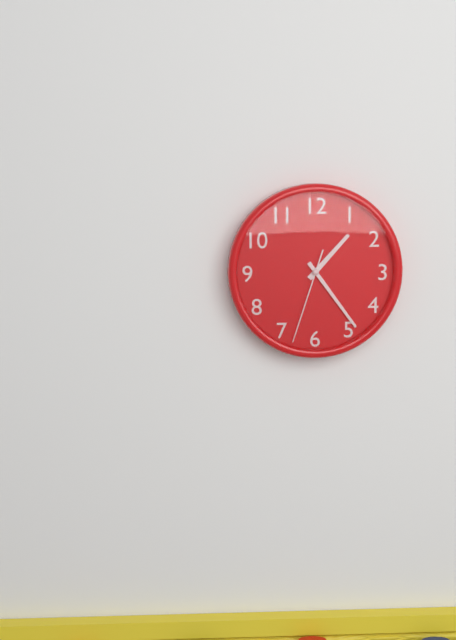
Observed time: 1.24.33
